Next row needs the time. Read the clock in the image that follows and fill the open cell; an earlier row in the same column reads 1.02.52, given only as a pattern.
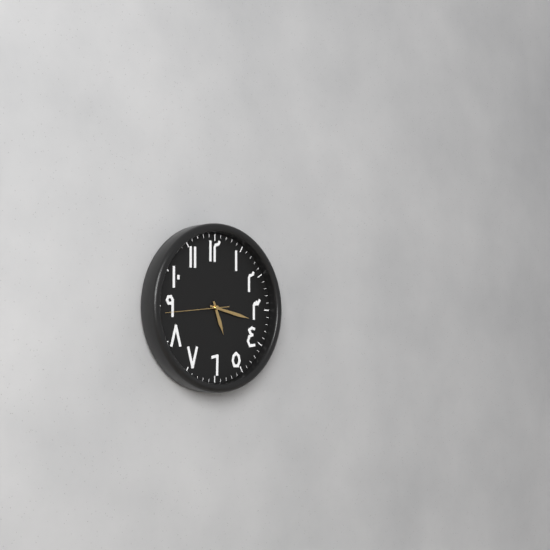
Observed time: 5.17.44
